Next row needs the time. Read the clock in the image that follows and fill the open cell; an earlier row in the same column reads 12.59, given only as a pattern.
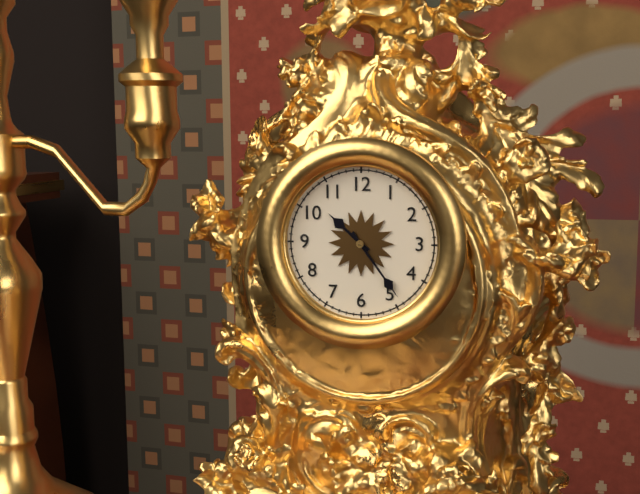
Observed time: 10.24
